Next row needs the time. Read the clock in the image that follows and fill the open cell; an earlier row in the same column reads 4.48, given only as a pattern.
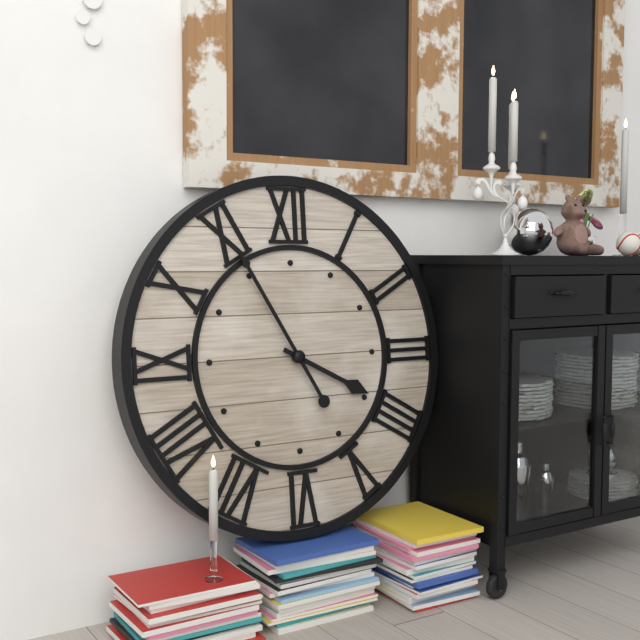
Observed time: 3.55
